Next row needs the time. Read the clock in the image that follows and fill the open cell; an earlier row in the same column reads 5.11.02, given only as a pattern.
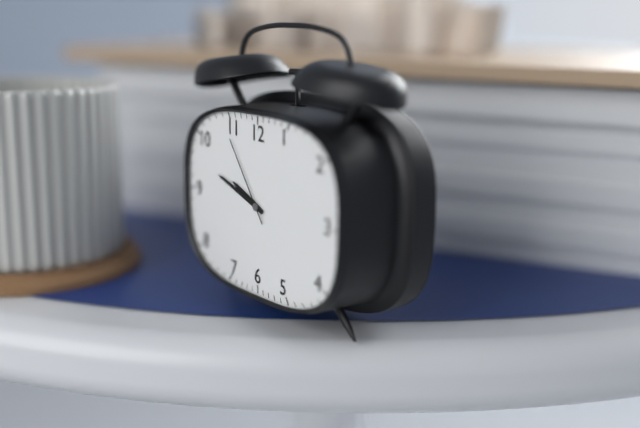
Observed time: 9.48.54
